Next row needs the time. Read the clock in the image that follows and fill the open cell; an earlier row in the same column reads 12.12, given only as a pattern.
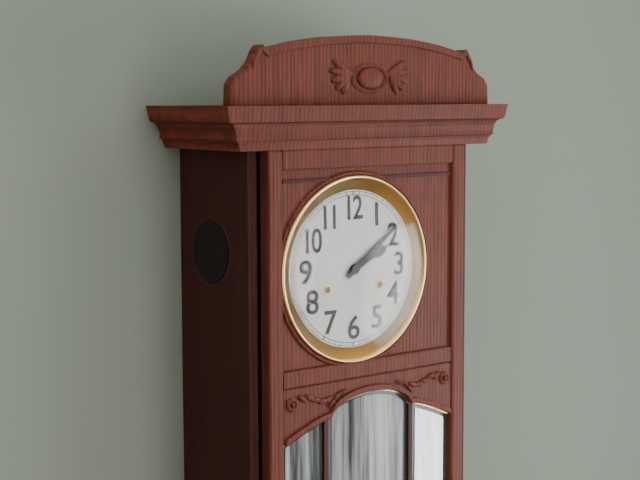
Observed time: 2.09
